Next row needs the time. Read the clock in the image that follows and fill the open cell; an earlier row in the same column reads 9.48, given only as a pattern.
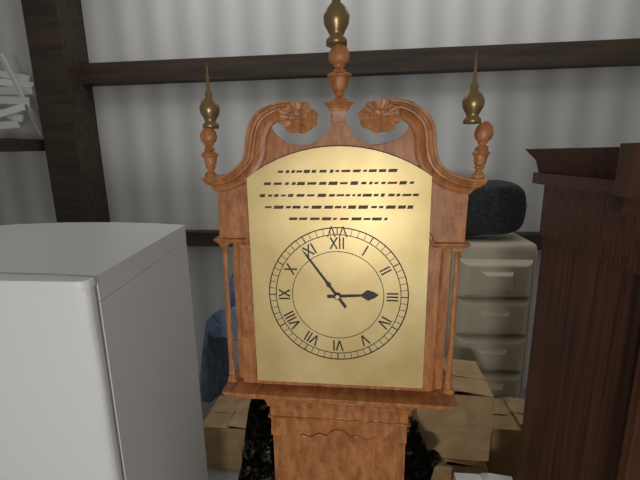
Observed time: 2.54
